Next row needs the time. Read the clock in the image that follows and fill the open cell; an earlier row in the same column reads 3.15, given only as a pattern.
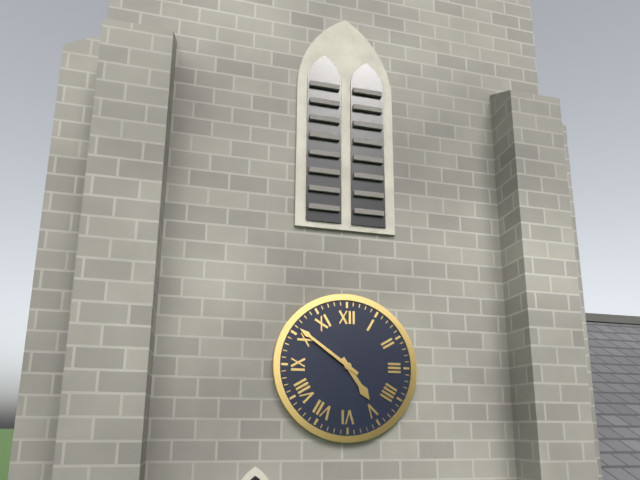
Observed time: 4.51
